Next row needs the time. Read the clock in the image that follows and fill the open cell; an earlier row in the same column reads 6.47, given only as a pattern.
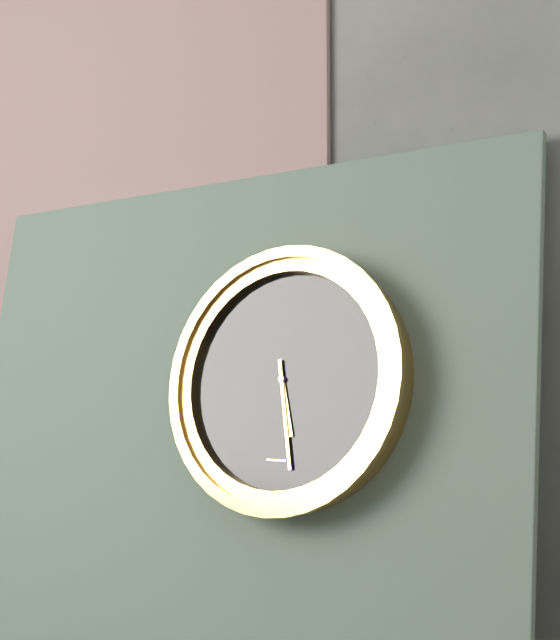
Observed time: 5.28
